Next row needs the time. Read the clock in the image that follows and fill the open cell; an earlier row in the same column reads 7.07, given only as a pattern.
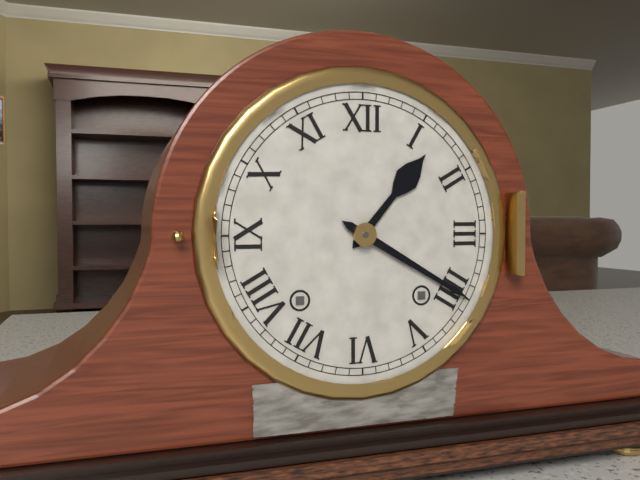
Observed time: 1.20
